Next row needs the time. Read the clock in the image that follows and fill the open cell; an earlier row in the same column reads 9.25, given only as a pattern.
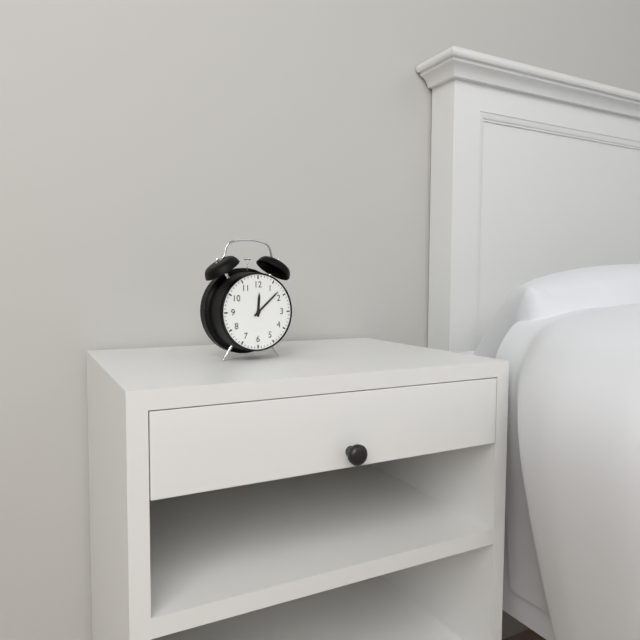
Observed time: 12.08
